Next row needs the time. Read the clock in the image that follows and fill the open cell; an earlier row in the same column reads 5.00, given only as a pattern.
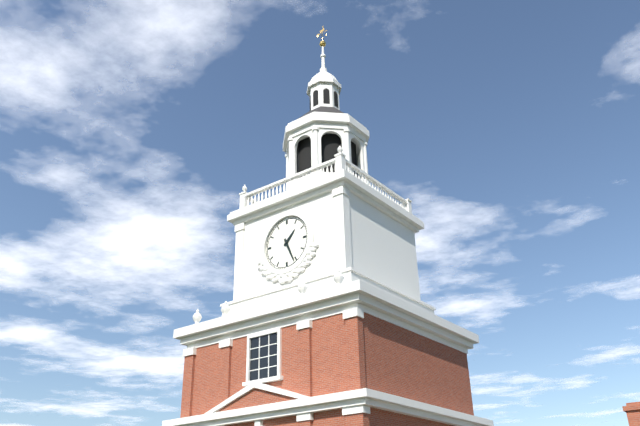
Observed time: 1.26
